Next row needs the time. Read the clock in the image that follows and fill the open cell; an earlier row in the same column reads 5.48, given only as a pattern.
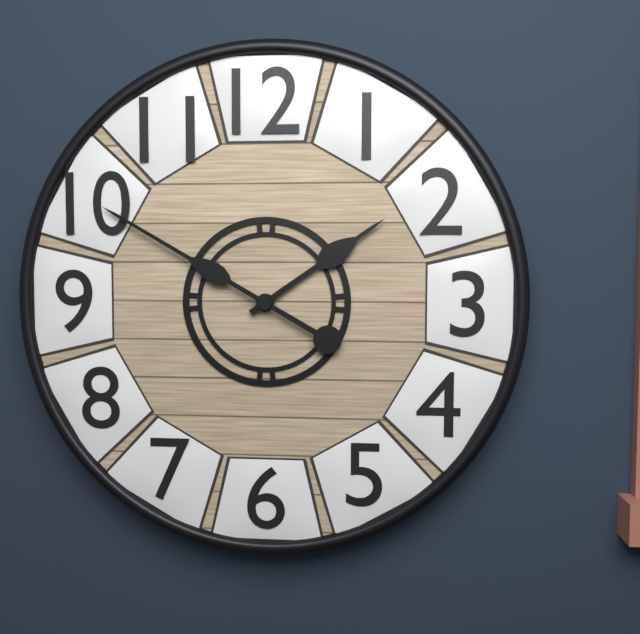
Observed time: 1.50
